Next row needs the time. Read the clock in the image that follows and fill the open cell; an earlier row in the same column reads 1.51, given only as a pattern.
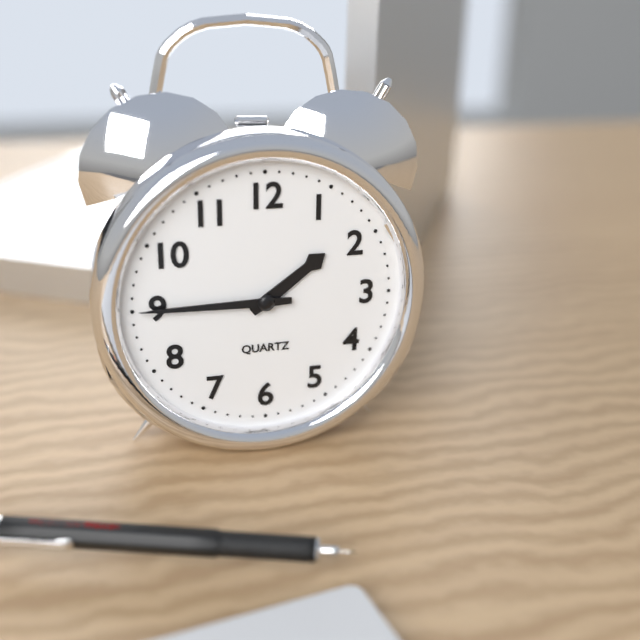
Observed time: 1.45
